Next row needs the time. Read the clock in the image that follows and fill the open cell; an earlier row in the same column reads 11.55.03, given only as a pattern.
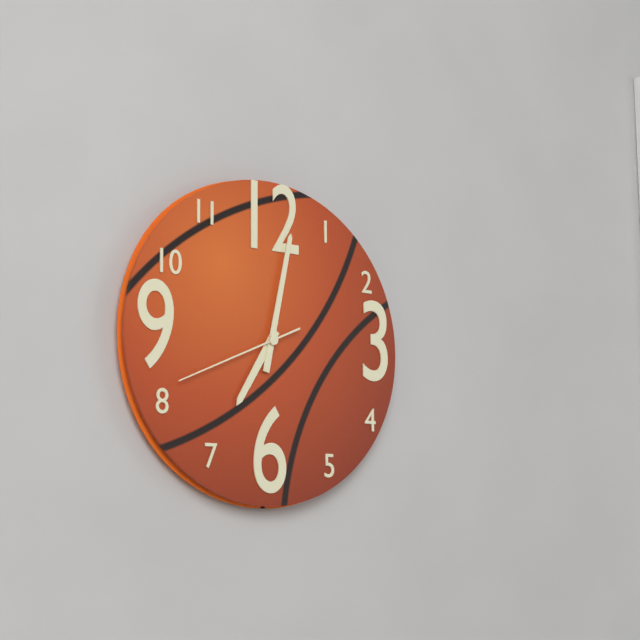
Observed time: 7.02.41
